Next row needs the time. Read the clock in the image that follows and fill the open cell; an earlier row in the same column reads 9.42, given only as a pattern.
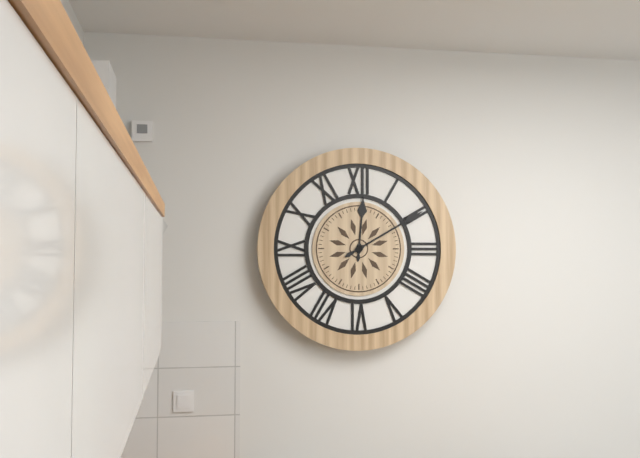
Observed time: 12.10
